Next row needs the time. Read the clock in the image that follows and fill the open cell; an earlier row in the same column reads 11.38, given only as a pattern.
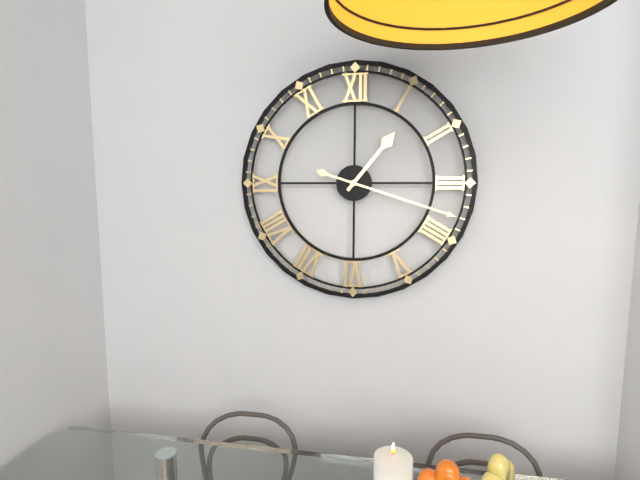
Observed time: 1.18
